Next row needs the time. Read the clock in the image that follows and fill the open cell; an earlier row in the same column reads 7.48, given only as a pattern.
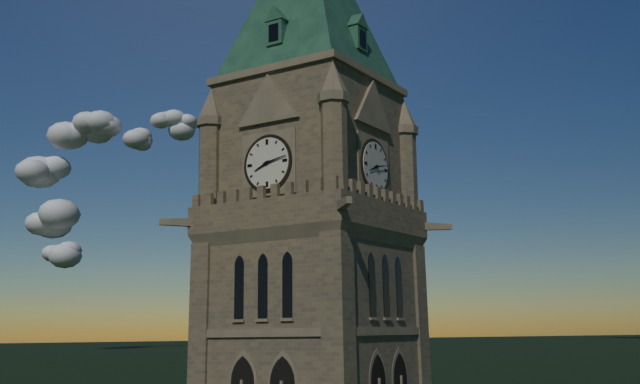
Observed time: 8.13
